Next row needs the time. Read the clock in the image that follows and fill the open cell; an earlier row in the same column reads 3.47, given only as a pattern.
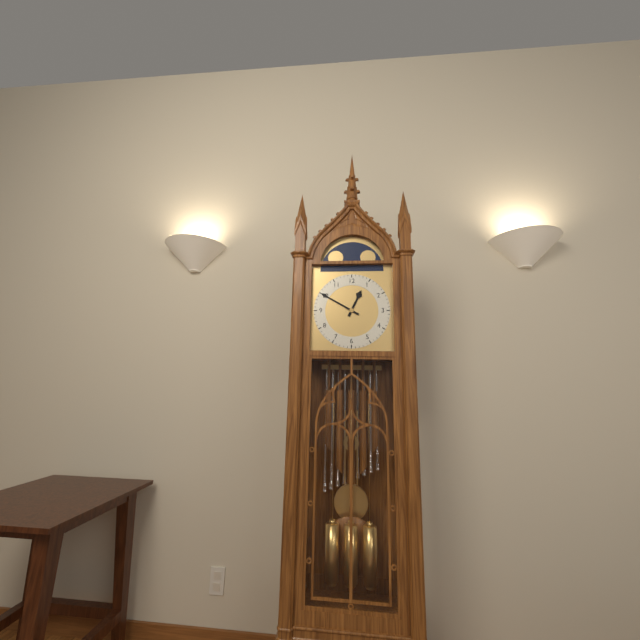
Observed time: 12.50
